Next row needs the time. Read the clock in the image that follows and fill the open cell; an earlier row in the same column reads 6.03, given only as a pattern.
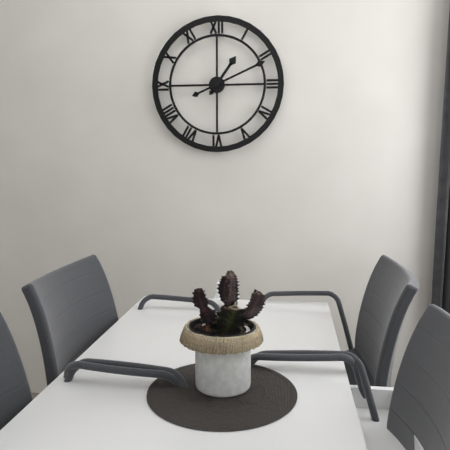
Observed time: 1.11
